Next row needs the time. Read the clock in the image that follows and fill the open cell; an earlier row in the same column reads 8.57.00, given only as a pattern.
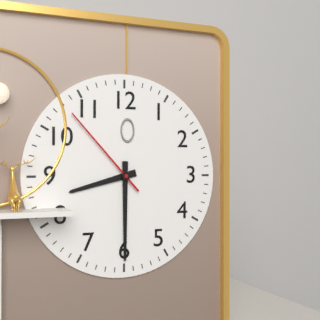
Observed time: 8.30.53
